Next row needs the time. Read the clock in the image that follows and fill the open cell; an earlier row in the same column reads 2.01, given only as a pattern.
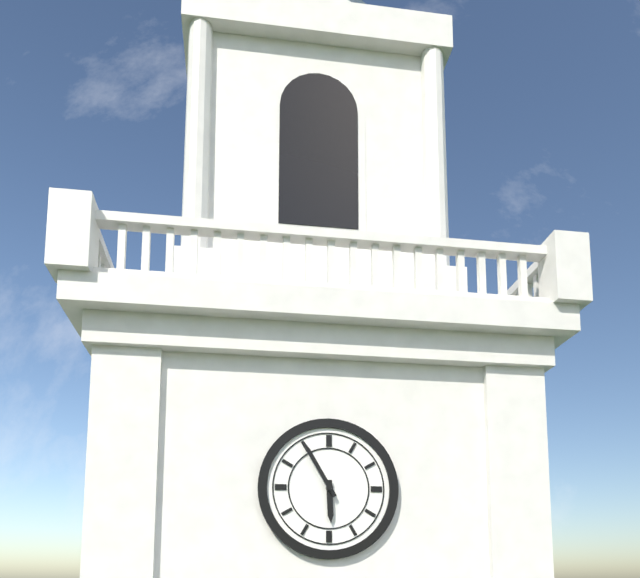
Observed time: 5.55
